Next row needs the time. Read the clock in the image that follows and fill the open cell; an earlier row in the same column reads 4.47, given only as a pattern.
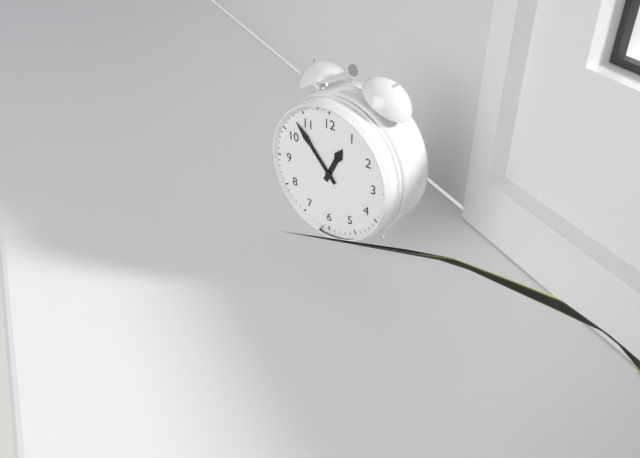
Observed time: 12.53
